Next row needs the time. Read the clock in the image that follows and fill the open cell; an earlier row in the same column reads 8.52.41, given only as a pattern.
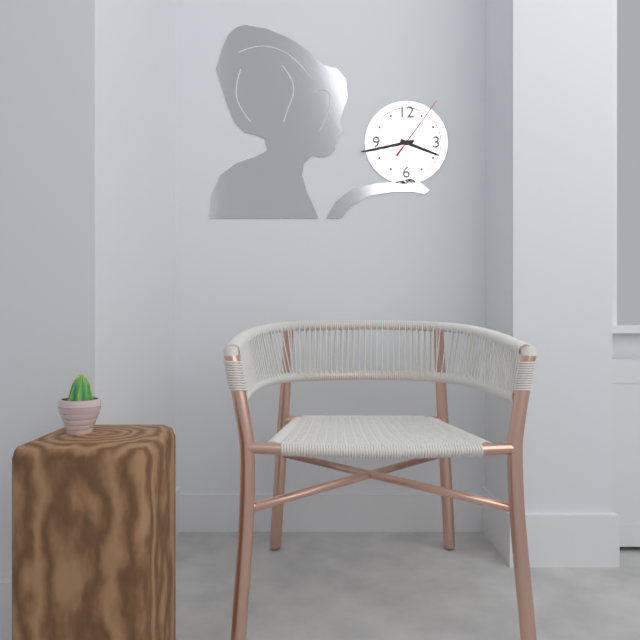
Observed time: 3.43.06
